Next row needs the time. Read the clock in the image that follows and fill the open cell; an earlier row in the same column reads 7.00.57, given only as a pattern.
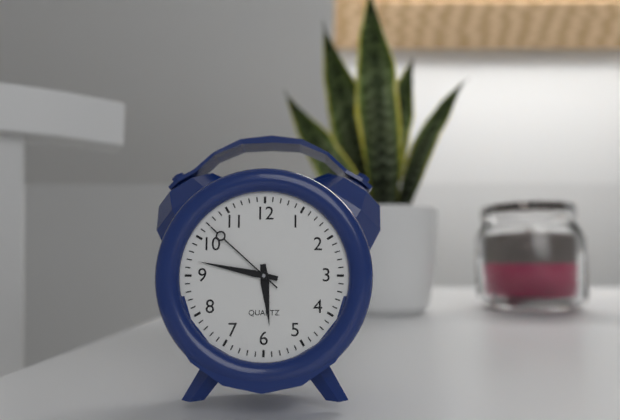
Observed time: 5.47.52
